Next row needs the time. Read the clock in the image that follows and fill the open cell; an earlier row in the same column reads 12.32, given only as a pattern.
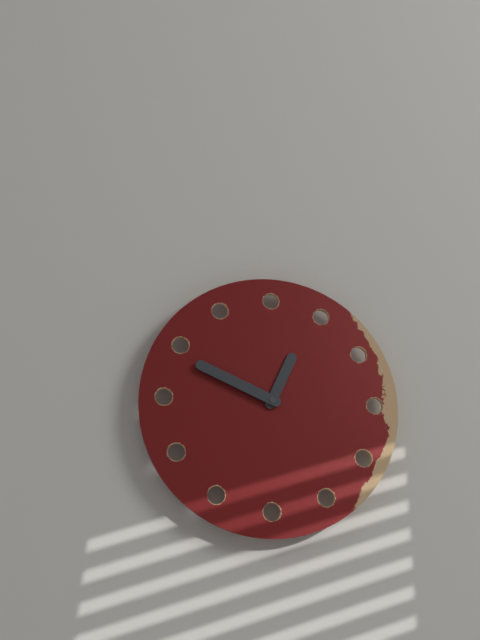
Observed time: 12.49
